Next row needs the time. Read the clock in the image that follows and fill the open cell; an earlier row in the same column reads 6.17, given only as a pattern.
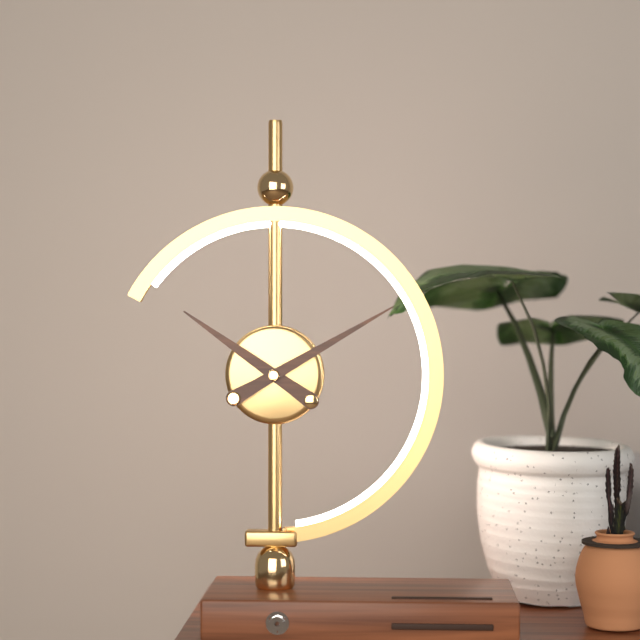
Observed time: 10.10
